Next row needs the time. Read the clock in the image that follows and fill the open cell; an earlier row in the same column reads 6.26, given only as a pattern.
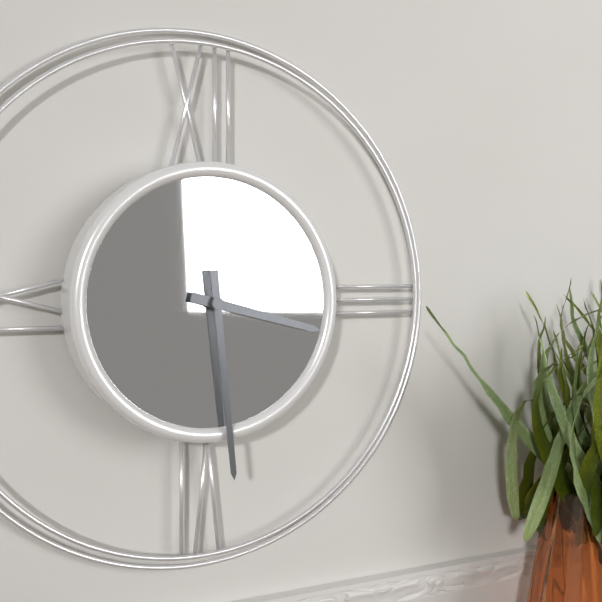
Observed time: 3.29
